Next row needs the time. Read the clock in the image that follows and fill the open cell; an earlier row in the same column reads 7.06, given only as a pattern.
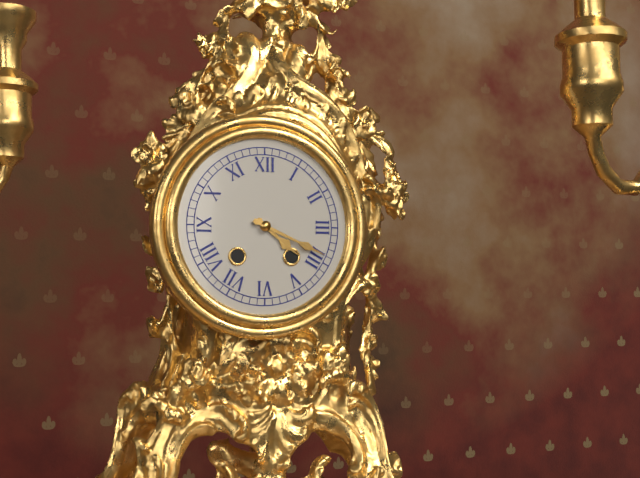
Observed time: 4.19
